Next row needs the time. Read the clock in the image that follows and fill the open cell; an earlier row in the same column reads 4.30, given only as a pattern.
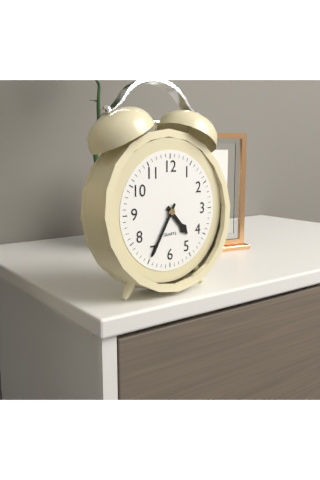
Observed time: 4.35
